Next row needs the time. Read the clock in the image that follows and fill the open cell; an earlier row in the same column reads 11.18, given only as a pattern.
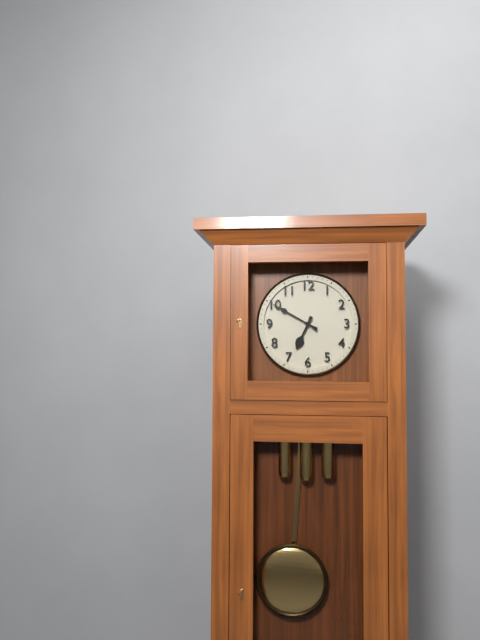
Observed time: 6.50
